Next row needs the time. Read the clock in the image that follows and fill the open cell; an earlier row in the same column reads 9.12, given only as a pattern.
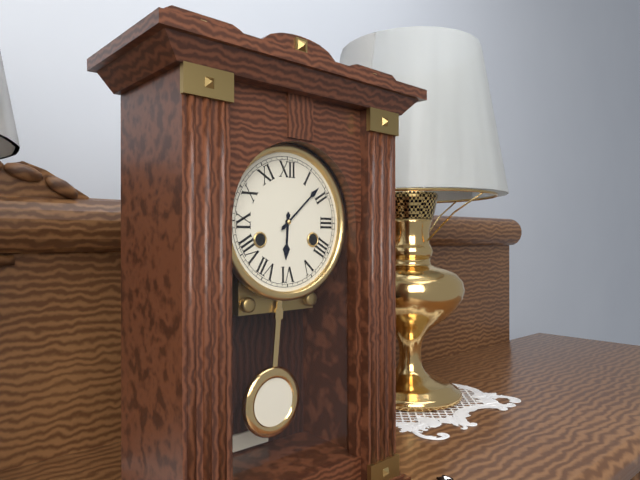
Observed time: 6.08
